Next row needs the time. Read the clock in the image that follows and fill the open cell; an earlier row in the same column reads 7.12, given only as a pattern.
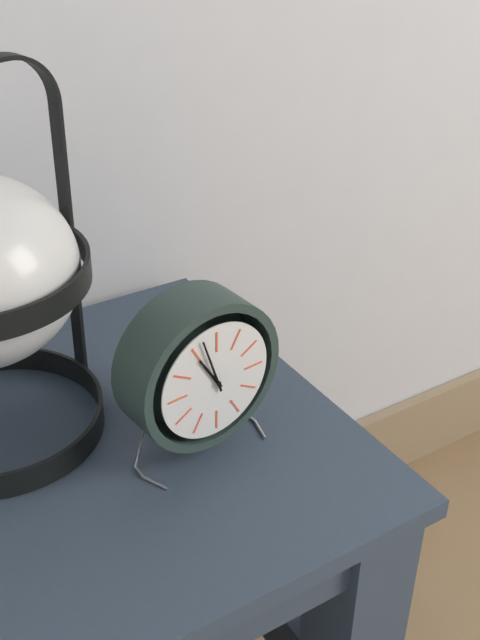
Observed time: 10.57
